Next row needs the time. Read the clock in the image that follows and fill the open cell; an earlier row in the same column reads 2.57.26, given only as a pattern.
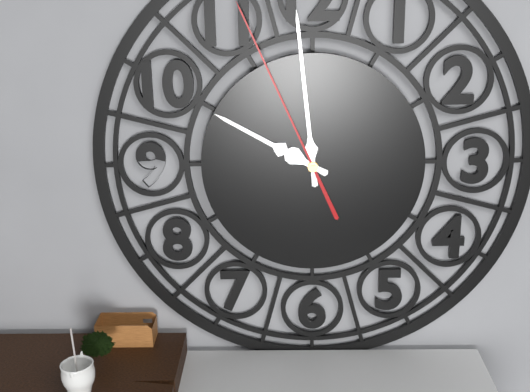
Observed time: 9.59.56
